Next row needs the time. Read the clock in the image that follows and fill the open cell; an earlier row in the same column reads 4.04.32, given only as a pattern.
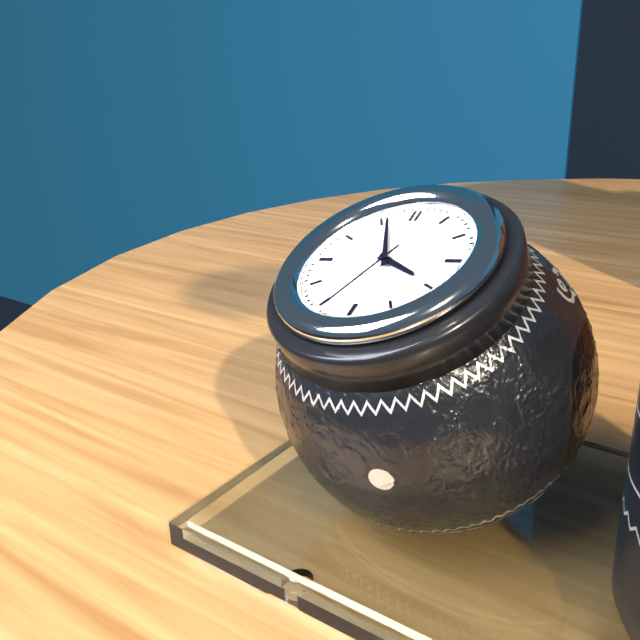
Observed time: 3.56.34
